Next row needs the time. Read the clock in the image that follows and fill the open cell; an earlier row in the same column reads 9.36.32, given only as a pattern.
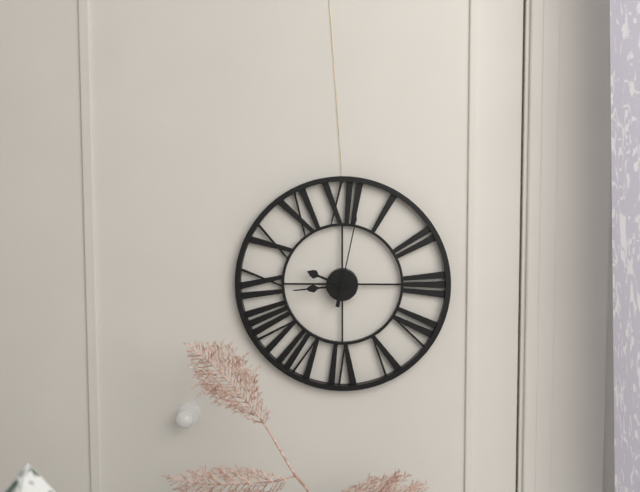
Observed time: 9.44.02
